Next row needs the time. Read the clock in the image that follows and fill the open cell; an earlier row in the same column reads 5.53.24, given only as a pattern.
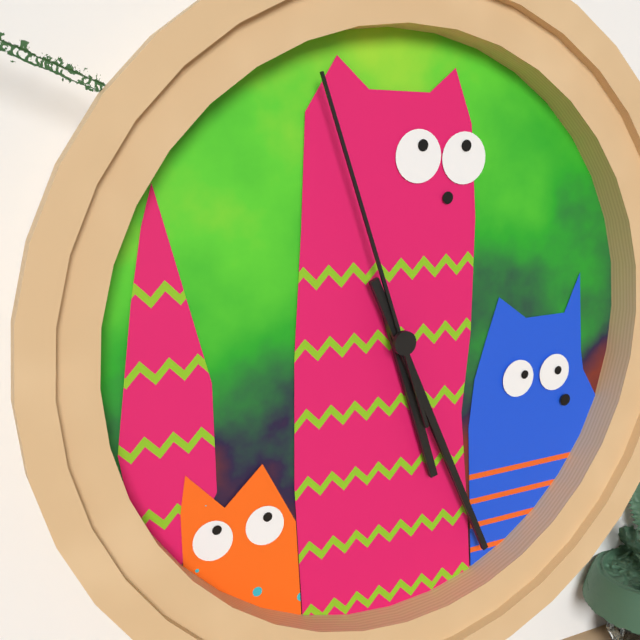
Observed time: 5.26.57
